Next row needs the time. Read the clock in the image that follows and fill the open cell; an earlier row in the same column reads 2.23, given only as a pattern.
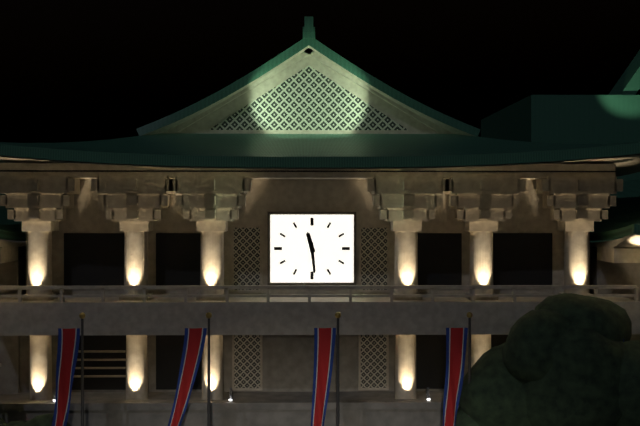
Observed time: 11.29
